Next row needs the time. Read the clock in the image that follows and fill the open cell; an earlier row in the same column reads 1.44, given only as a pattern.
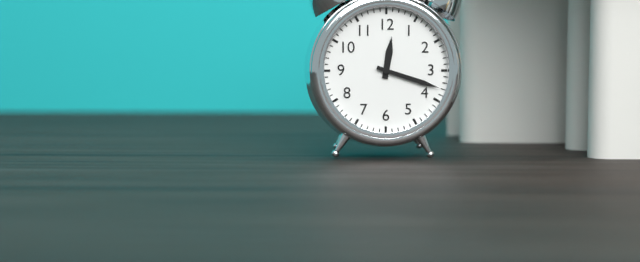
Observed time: 12.18
